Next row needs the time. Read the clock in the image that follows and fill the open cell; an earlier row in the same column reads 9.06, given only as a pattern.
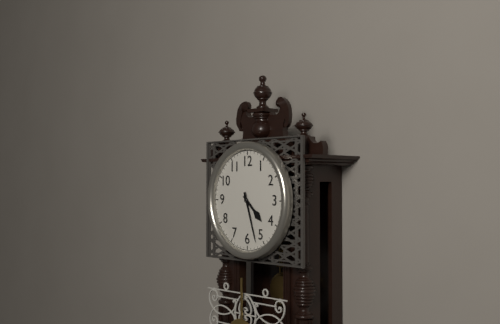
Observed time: 4.27
